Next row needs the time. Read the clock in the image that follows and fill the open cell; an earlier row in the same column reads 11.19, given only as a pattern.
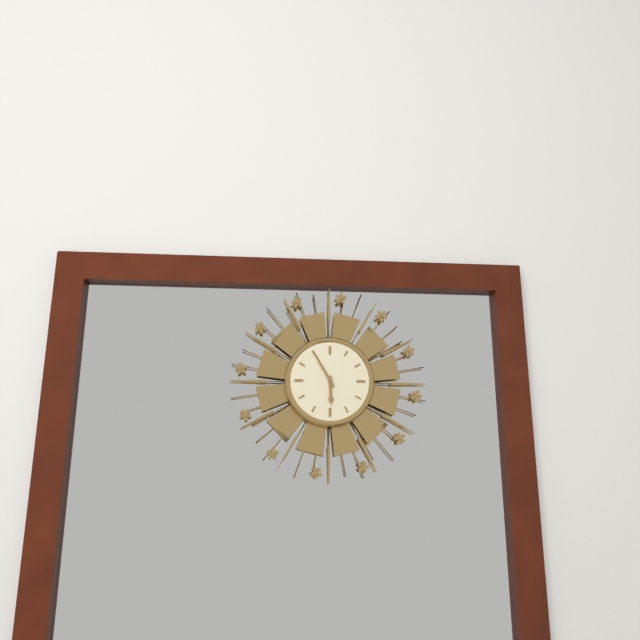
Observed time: 5.55
